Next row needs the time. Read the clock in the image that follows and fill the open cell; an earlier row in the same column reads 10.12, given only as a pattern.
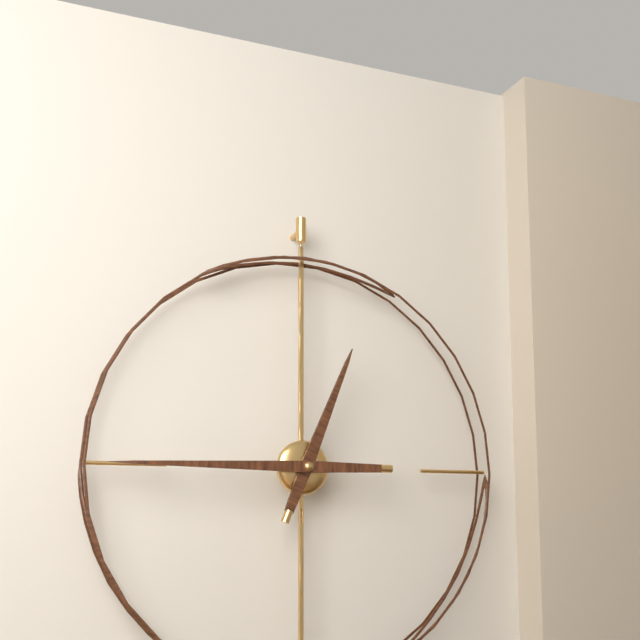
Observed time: 12.45
